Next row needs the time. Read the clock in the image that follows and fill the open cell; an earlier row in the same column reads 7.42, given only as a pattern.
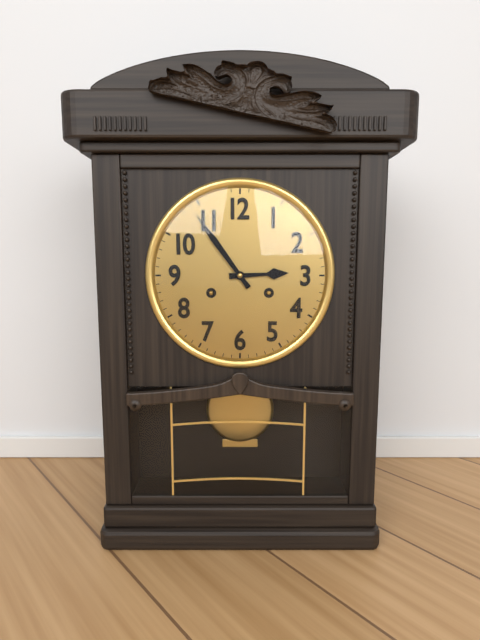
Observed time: 2.54
